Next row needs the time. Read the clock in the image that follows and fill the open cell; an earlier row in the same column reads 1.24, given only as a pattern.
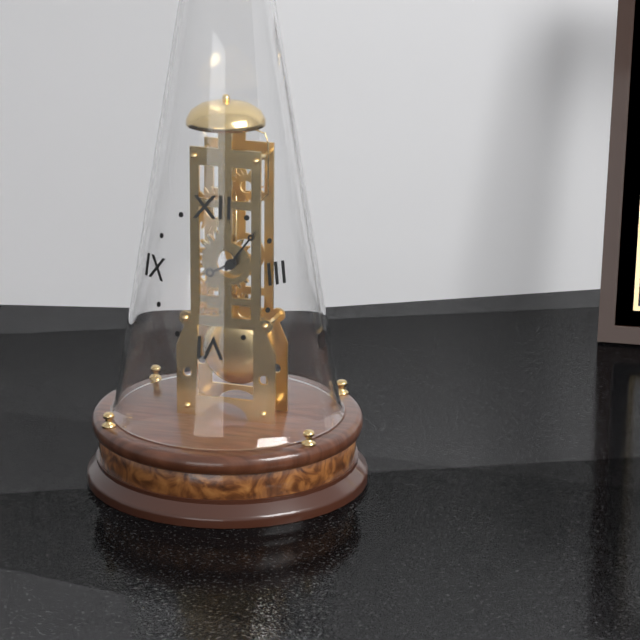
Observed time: 8.06
